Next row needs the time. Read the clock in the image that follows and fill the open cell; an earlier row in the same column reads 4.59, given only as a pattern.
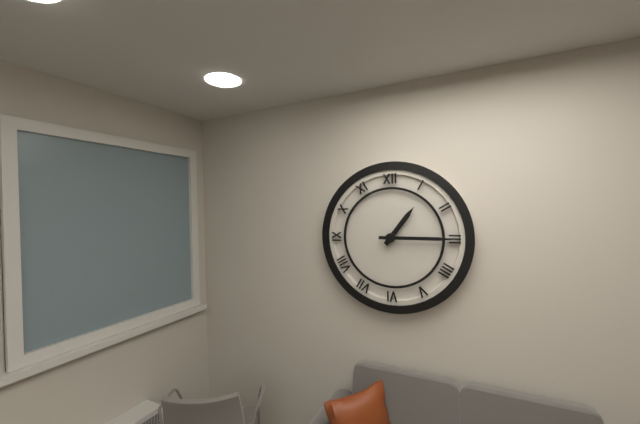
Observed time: 1.15
